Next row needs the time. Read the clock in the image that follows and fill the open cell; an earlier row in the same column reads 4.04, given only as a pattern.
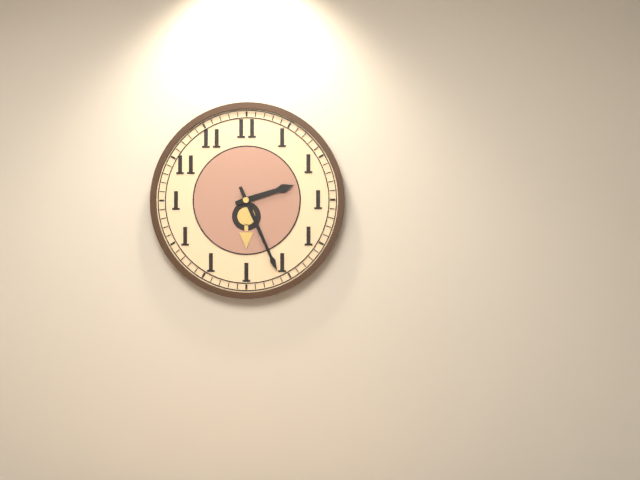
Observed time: 2.26
